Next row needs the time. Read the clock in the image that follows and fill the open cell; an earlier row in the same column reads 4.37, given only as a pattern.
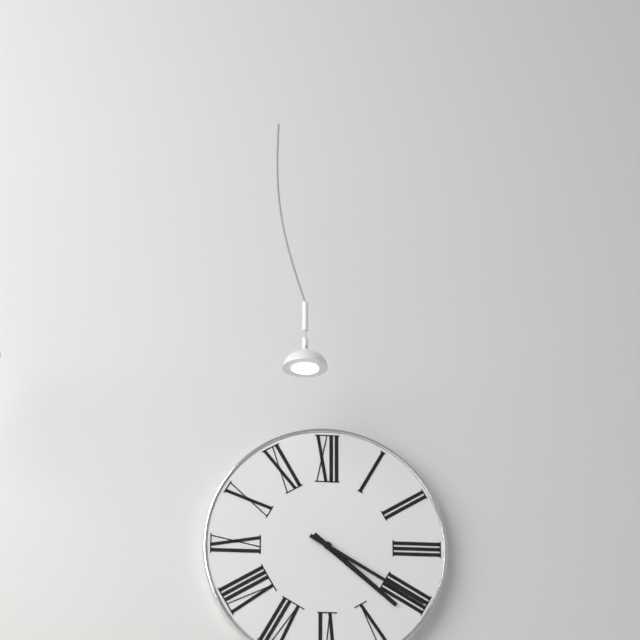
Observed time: 4.20
